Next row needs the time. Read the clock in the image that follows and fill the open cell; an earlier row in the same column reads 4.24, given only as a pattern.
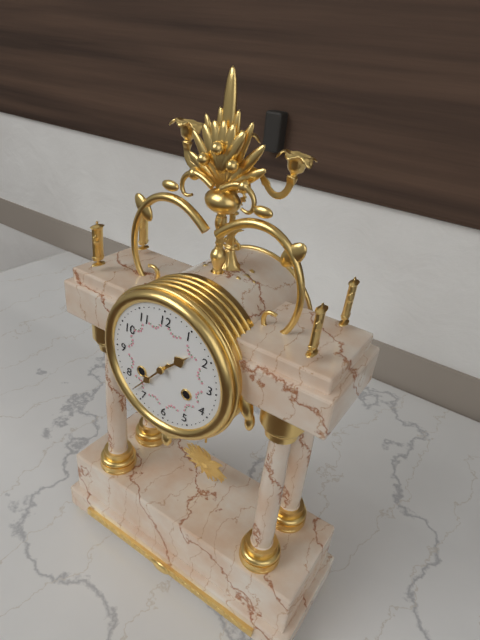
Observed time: 1.37
